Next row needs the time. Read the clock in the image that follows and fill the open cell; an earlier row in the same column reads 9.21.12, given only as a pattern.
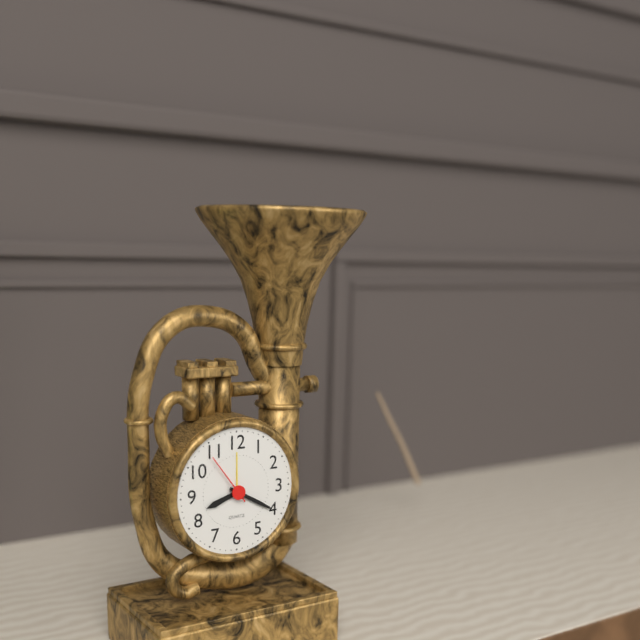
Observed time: 8.20.54
